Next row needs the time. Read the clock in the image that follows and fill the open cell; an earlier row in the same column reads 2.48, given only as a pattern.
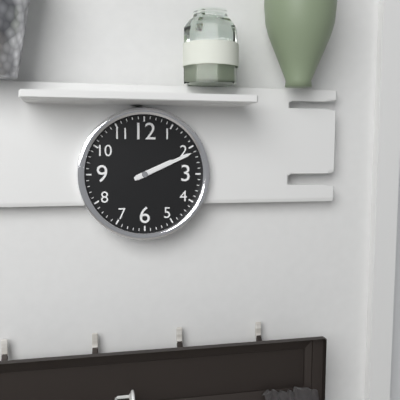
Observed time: 2.11
